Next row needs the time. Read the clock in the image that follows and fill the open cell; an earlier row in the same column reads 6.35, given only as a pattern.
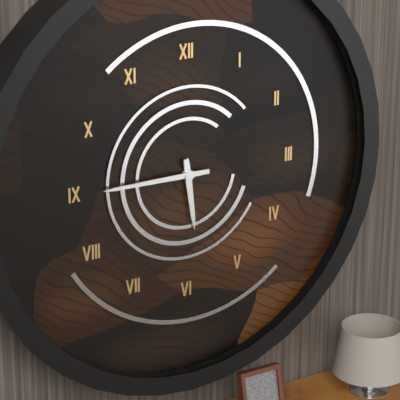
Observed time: 5.45
